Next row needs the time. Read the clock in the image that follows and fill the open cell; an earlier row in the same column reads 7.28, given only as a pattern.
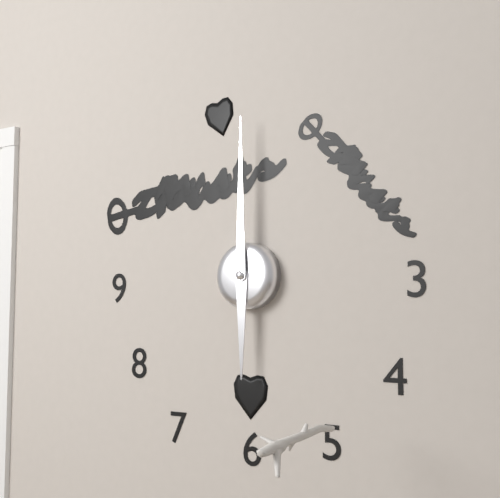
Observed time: 6.00
